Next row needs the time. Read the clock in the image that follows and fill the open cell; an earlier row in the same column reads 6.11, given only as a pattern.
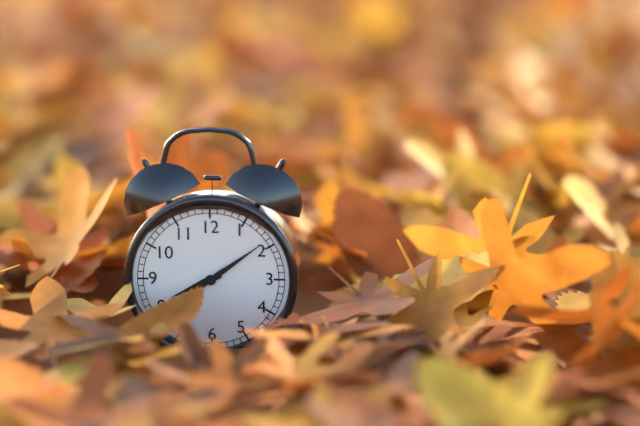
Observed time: 8.09
